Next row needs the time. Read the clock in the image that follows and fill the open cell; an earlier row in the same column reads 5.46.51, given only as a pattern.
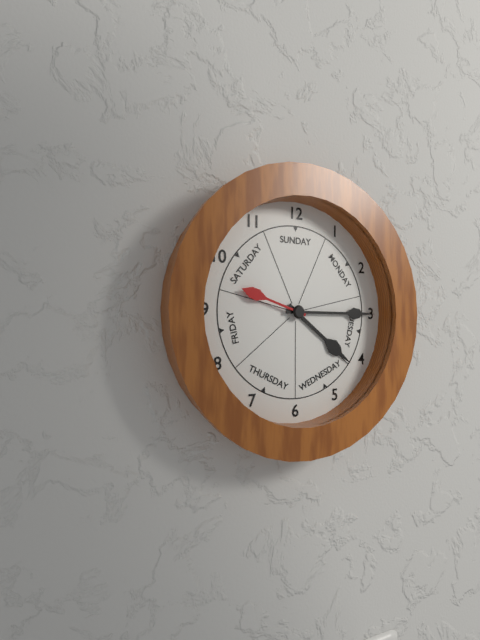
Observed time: 4.15.48
